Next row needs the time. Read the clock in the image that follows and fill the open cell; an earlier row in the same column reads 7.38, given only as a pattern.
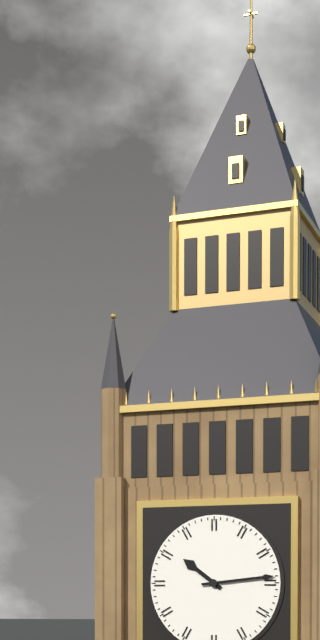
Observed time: 10.14
